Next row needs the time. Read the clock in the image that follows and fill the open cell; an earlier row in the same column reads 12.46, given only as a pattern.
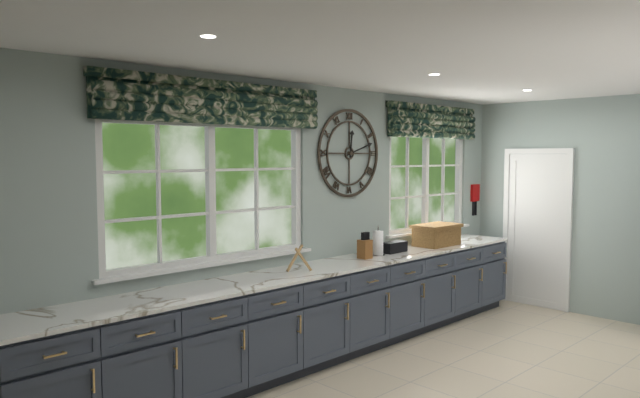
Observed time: 12.12
